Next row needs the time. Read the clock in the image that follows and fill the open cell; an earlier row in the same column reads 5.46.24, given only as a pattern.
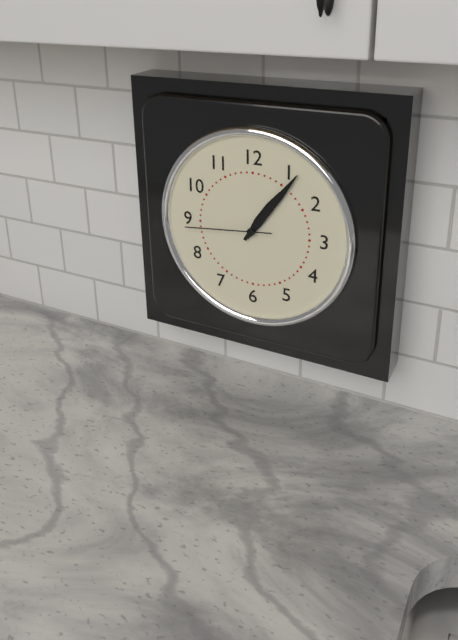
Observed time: 1.06.44
